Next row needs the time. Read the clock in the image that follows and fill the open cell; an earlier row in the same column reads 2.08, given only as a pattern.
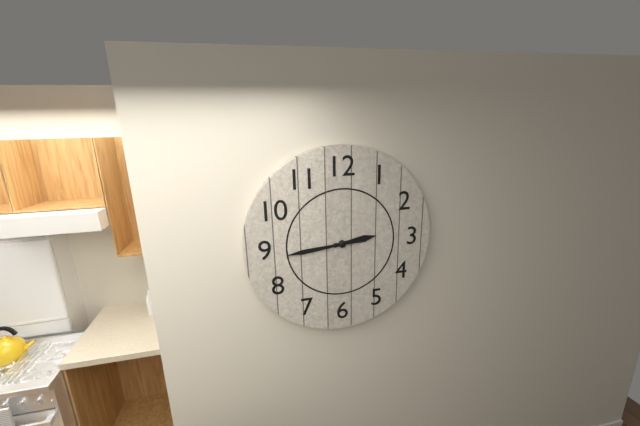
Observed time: 2.44
